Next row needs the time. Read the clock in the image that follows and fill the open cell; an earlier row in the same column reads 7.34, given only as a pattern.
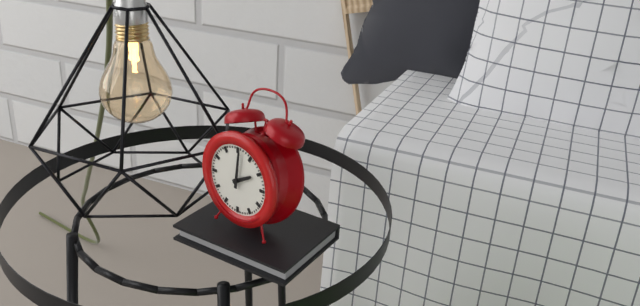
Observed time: 2.01
